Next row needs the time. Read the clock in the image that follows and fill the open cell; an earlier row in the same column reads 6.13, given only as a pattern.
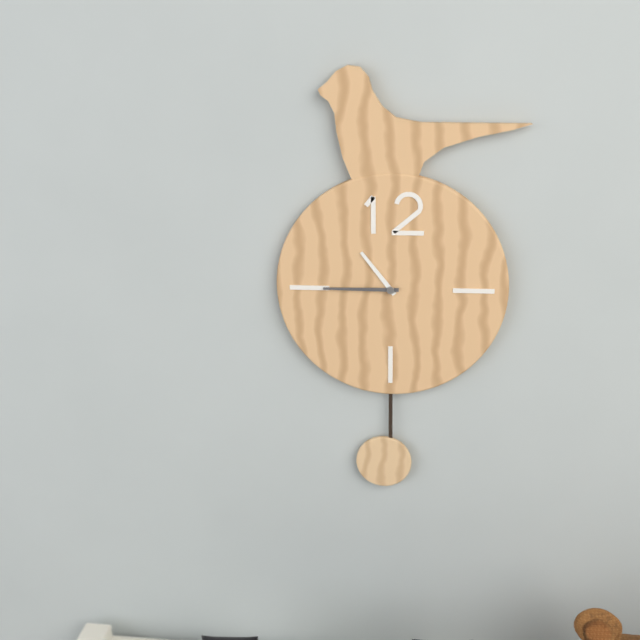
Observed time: 10.45
